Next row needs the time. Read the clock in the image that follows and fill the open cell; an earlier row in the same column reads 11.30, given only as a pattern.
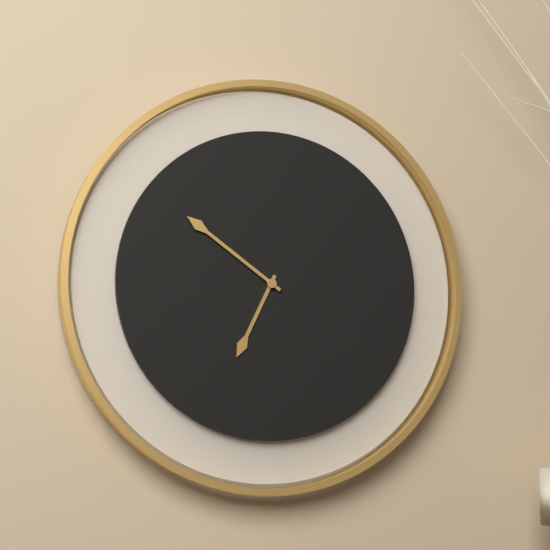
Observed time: 6.51
